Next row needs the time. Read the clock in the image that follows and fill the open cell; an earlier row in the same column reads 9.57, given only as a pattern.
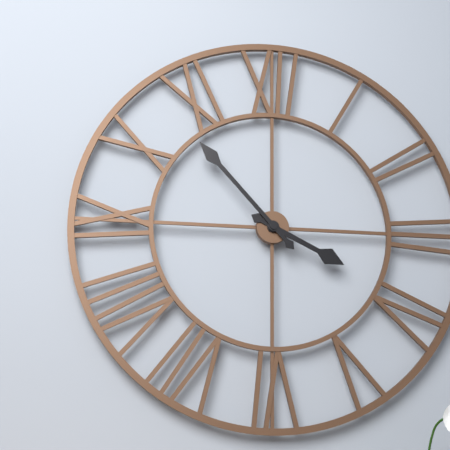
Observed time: 3.53
